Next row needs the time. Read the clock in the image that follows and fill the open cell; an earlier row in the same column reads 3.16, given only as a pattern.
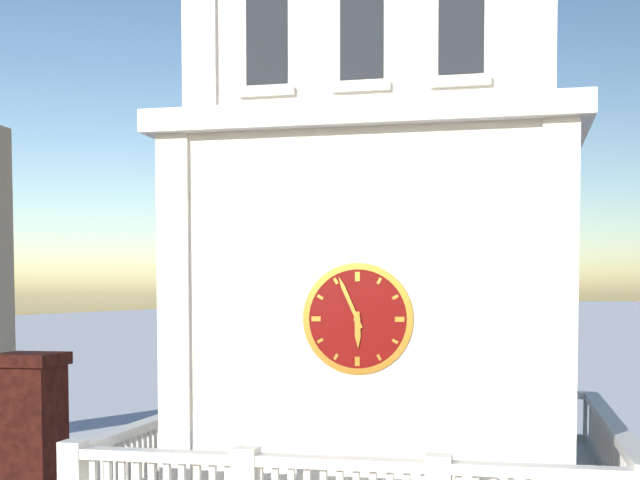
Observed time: 5.56
